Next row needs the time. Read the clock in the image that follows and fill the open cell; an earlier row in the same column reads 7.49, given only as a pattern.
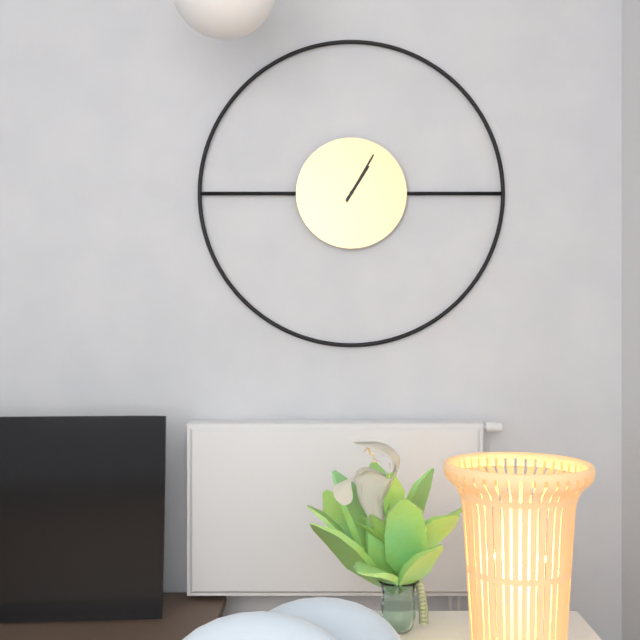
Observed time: 1.05
